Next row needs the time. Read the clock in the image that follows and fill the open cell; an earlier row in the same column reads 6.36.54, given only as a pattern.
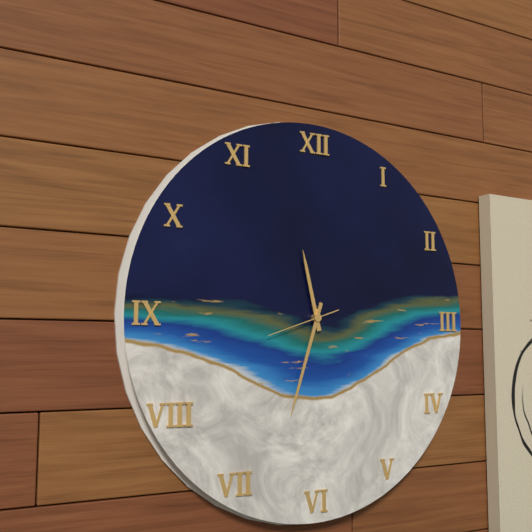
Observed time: 11.33.42
